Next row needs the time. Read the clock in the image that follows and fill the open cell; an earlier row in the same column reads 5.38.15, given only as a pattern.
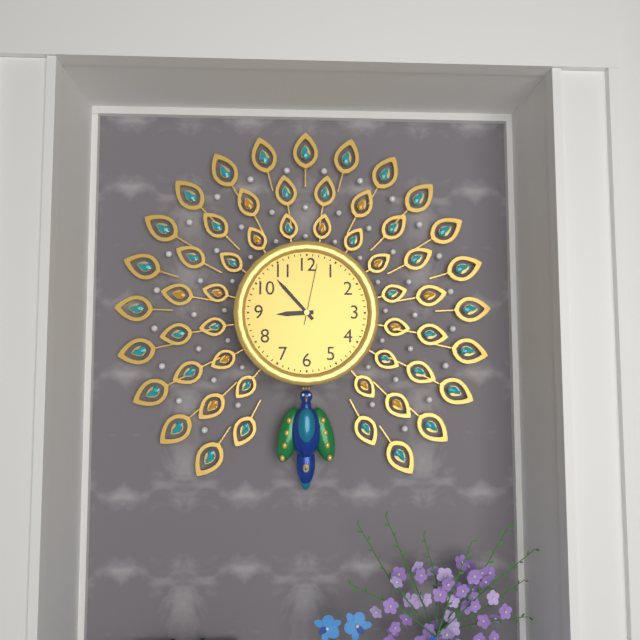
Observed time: 8.53.02
